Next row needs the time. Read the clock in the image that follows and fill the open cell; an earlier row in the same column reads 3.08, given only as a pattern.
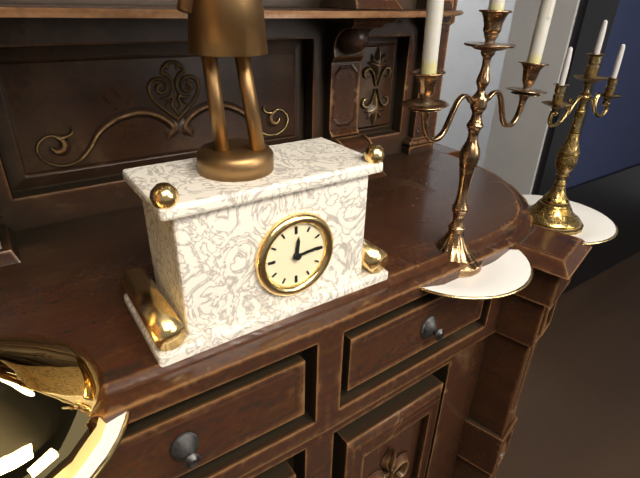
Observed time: 12.14
